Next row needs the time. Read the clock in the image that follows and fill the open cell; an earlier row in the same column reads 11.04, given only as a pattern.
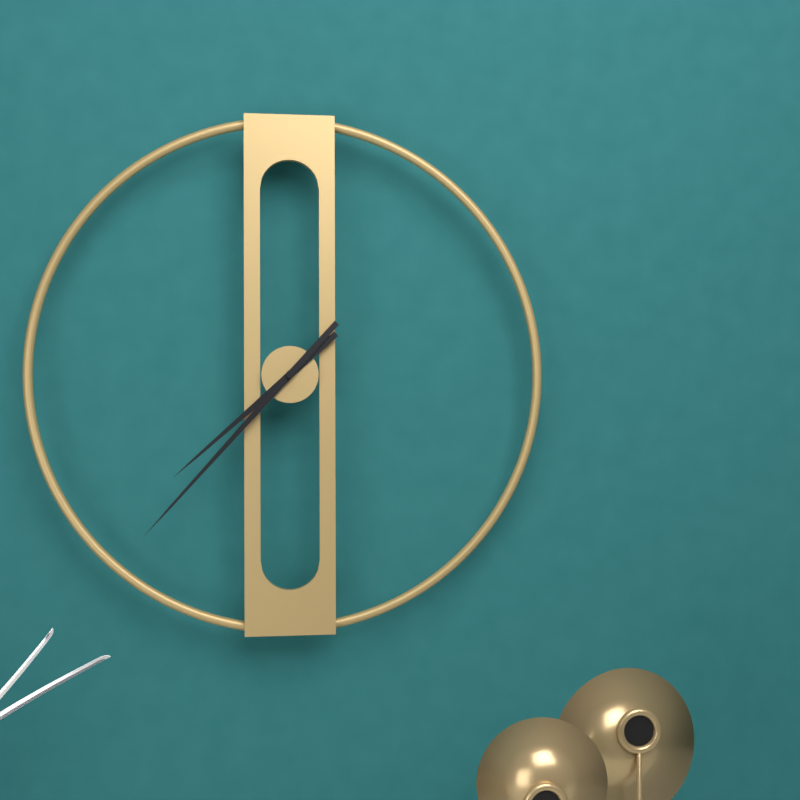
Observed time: 7.37
